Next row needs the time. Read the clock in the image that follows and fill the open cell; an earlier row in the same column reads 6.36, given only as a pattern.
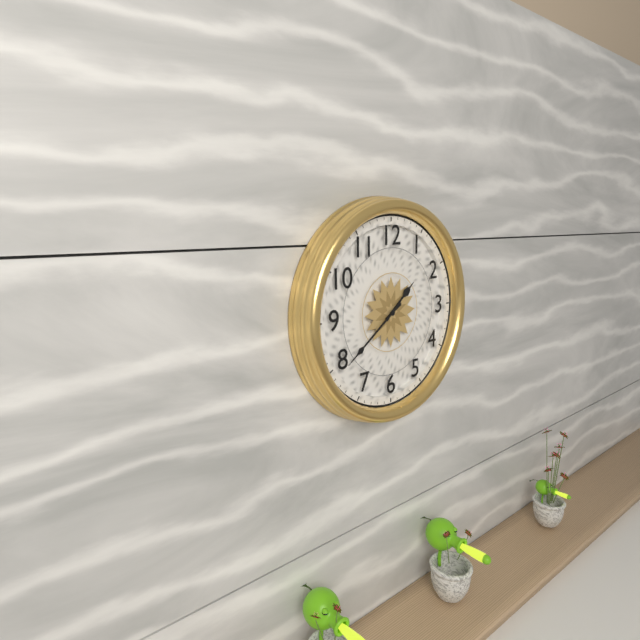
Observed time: 1.39
